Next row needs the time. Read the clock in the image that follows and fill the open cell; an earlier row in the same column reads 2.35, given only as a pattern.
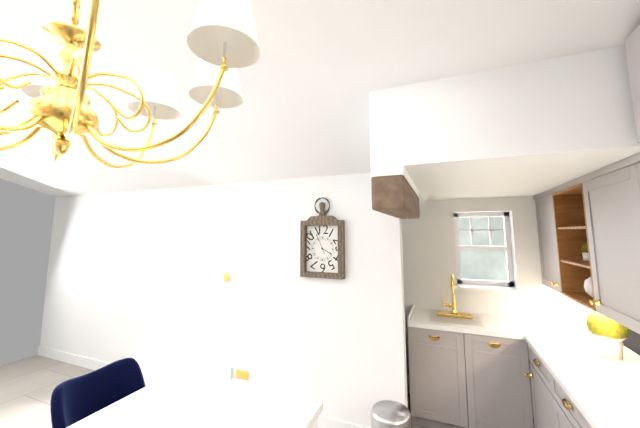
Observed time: 3.56
